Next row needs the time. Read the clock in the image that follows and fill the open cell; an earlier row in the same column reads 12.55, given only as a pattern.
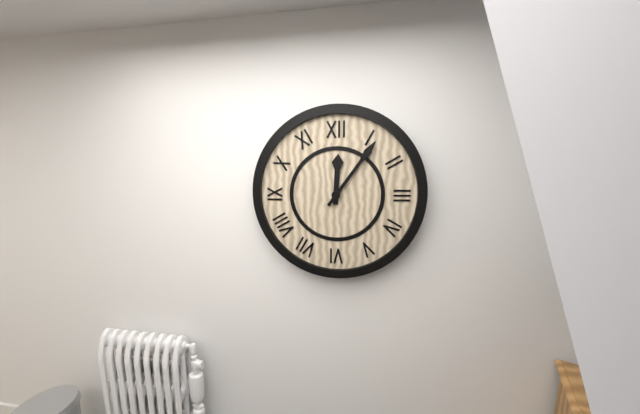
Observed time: 12.06
